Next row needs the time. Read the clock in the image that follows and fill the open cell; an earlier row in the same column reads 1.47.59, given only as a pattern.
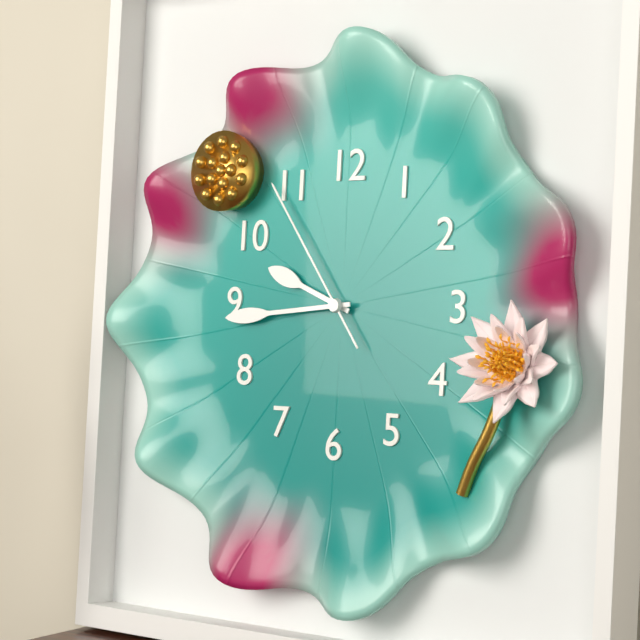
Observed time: 9.44.54
